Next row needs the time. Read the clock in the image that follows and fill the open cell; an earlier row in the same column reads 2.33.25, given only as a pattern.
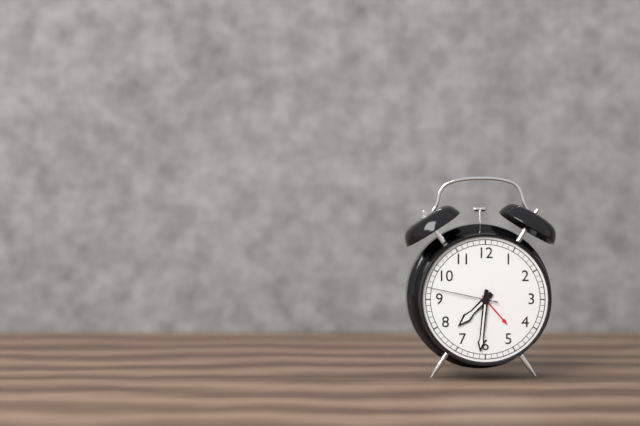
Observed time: 7.31.47
